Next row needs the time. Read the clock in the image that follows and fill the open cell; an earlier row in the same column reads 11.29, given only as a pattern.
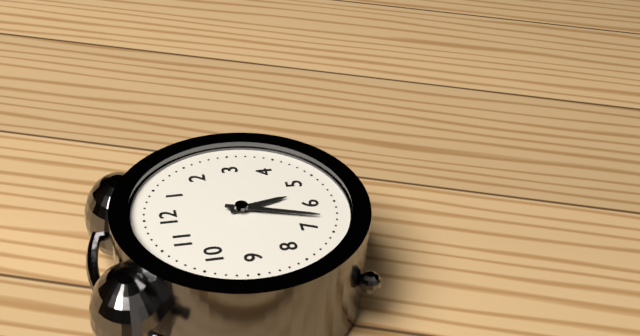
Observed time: 5.33
